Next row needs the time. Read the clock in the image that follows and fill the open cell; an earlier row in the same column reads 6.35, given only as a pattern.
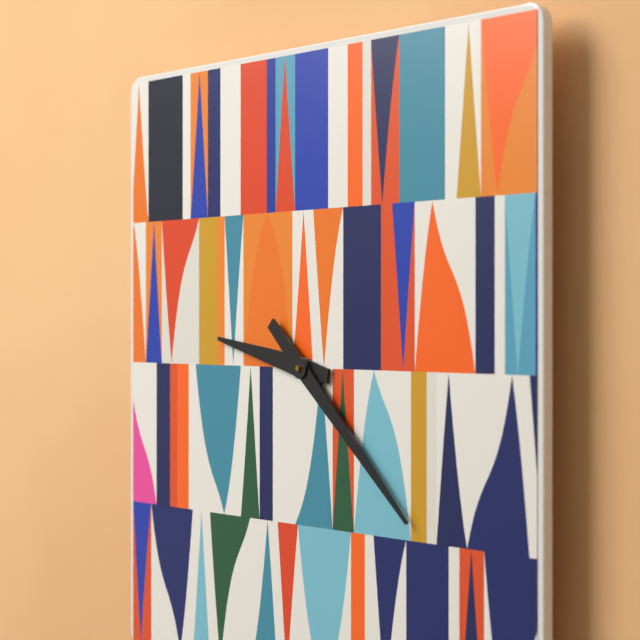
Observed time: 9.22
